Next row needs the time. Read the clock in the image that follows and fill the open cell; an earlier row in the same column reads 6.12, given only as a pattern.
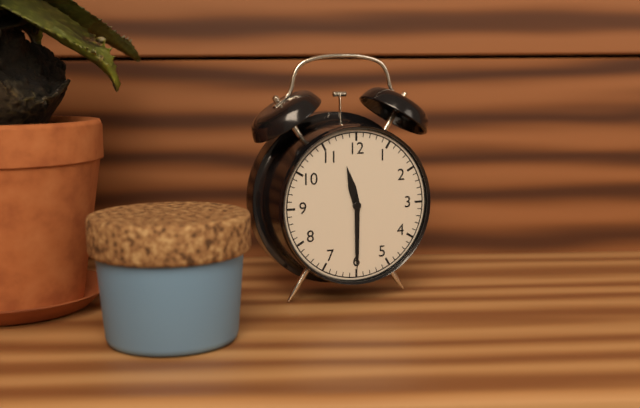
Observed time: 11.30
